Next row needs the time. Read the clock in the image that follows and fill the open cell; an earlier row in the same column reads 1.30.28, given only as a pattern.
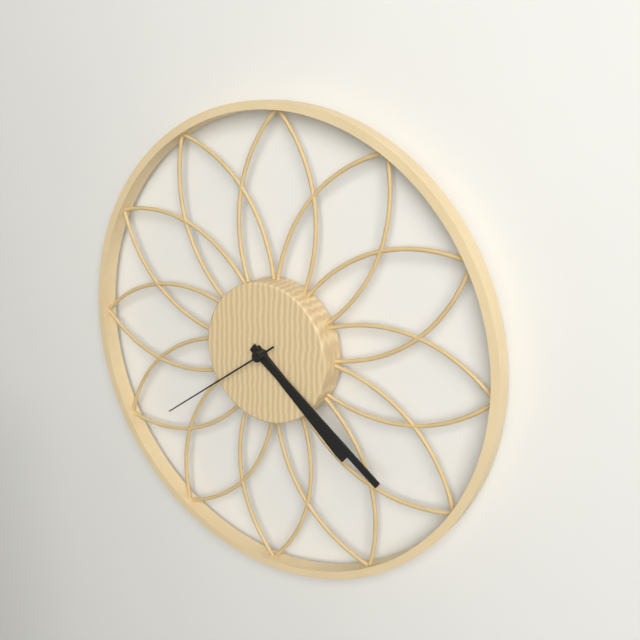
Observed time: 4.21.39
